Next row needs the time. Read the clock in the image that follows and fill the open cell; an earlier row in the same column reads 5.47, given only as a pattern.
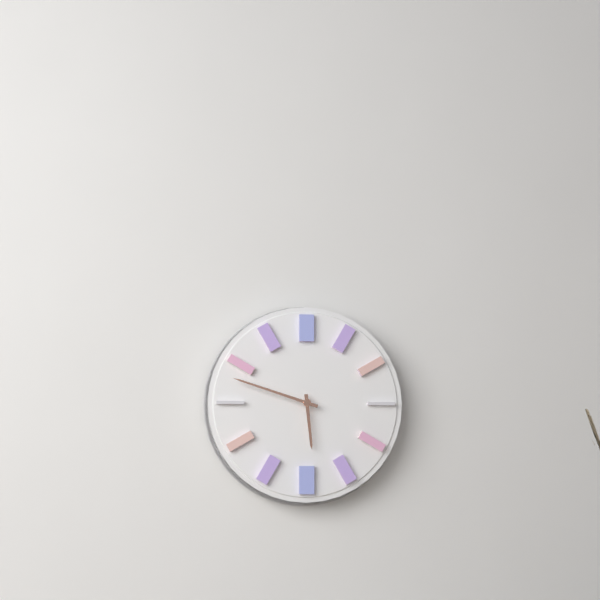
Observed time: 5.48
